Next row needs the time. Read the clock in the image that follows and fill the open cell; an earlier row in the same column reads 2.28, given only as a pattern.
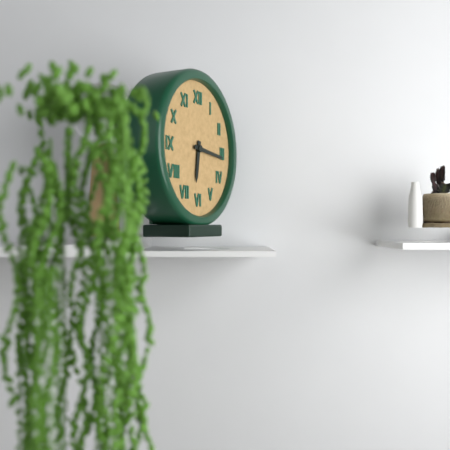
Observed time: 6.16
